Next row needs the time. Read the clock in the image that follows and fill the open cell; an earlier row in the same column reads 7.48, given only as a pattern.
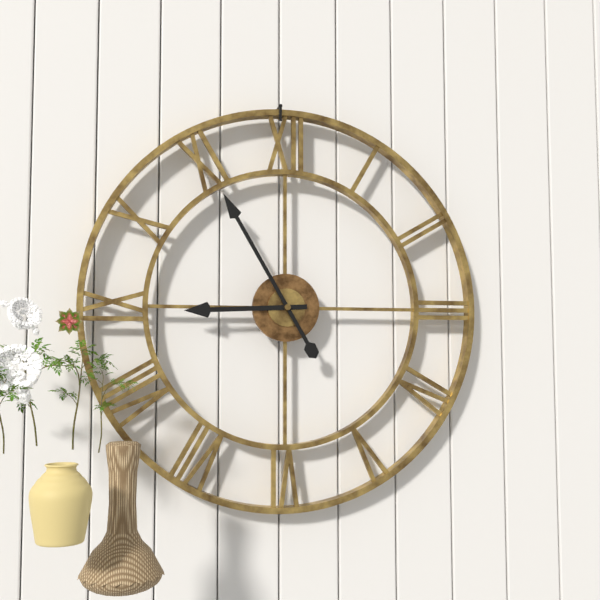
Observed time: 8.55
